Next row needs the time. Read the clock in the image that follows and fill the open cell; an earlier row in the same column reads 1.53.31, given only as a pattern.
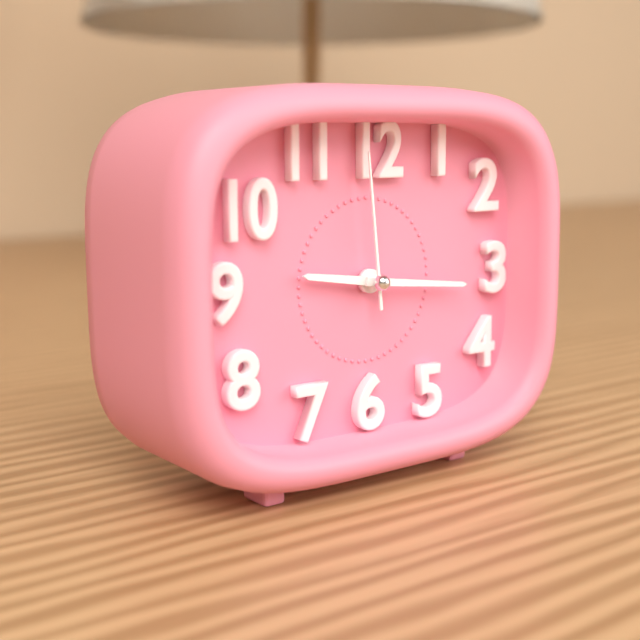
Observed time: 9.16.59
